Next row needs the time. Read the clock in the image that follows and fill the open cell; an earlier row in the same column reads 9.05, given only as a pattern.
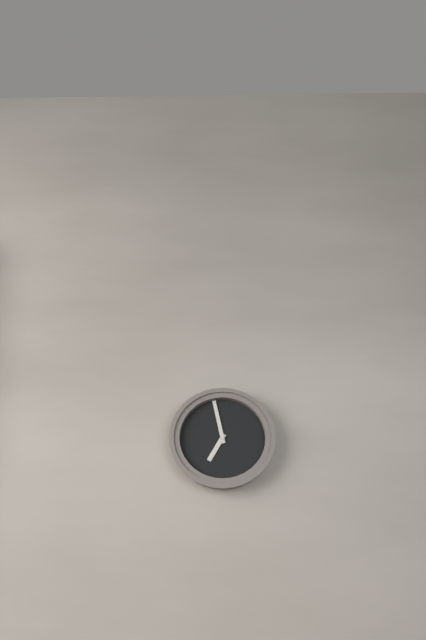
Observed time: 6.58
